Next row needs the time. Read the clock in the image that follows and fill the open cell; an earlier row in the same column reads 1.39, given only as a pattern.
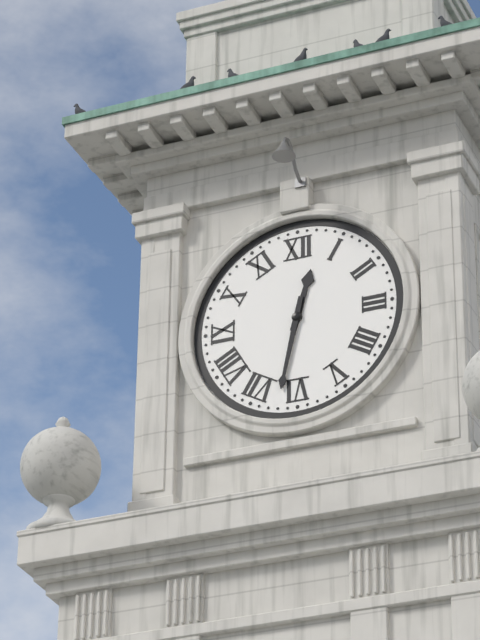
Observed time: 12.32
